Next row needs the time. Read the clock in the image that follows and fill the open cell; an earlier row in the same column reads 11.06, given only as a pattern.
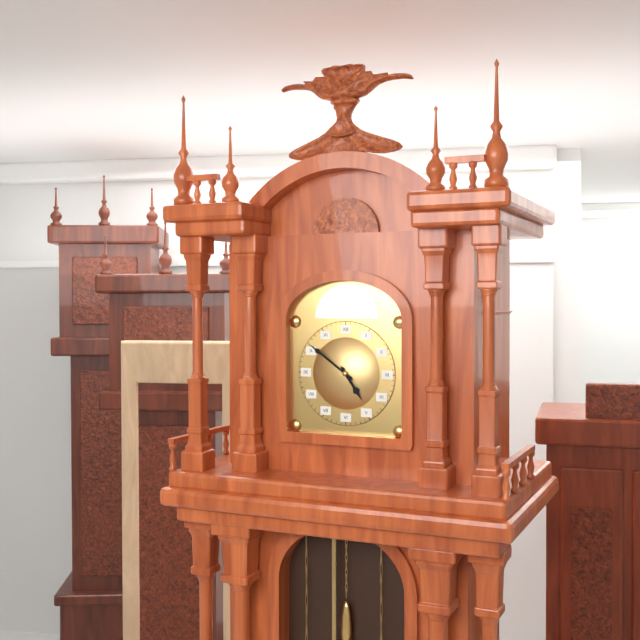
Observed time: 4.51
